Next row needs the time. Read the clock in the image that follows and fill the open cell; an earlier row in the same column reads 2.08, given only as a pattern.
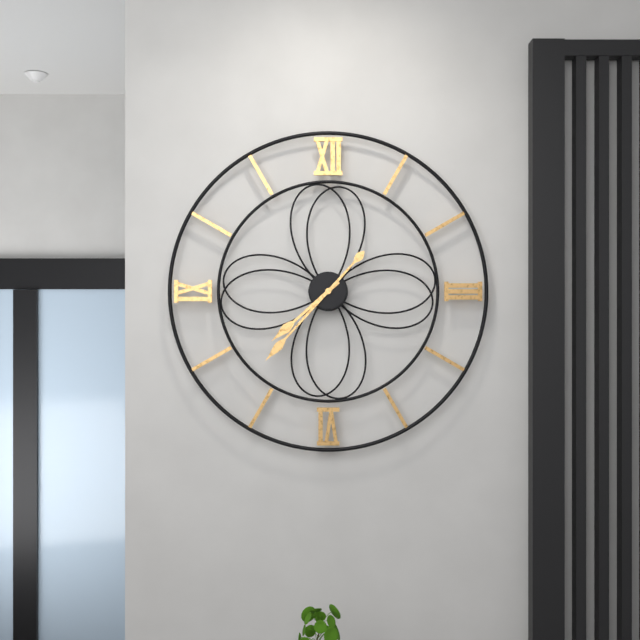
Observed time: 7.37
